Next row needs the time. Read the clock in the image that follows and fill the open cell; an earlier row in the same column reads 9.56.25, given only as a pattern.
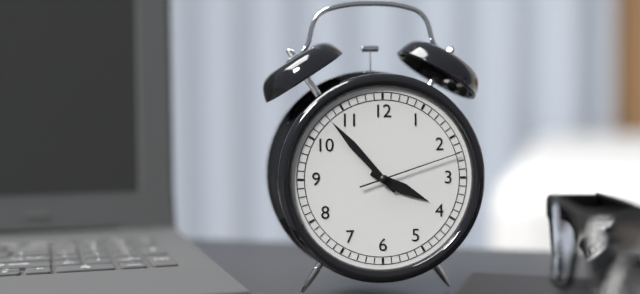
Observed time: 3.53.12
